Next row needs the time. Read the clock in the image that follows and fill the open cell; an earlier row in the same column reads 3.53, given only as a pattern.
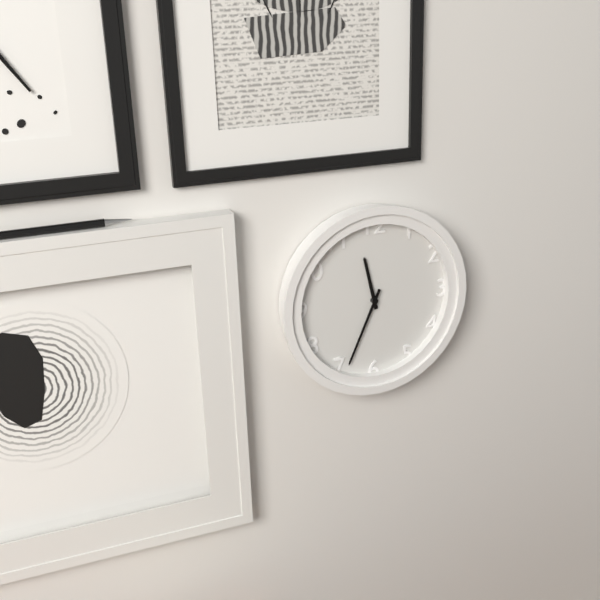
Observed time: 11.34
